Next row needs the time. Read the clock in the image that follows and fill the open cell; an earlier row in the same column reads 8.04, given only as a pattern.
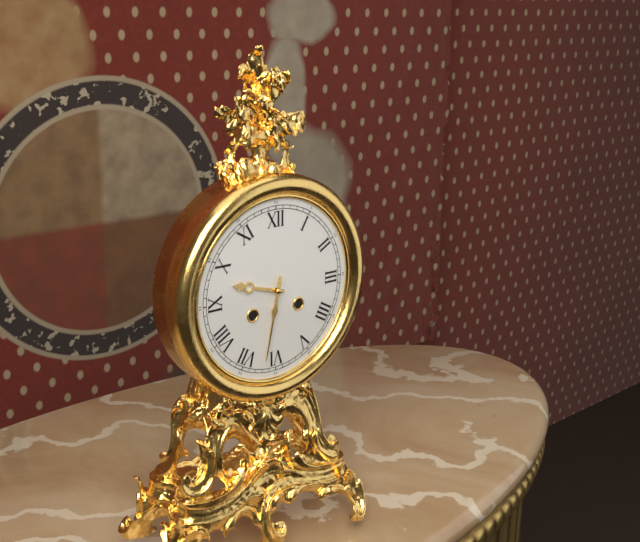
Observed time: 9.32
